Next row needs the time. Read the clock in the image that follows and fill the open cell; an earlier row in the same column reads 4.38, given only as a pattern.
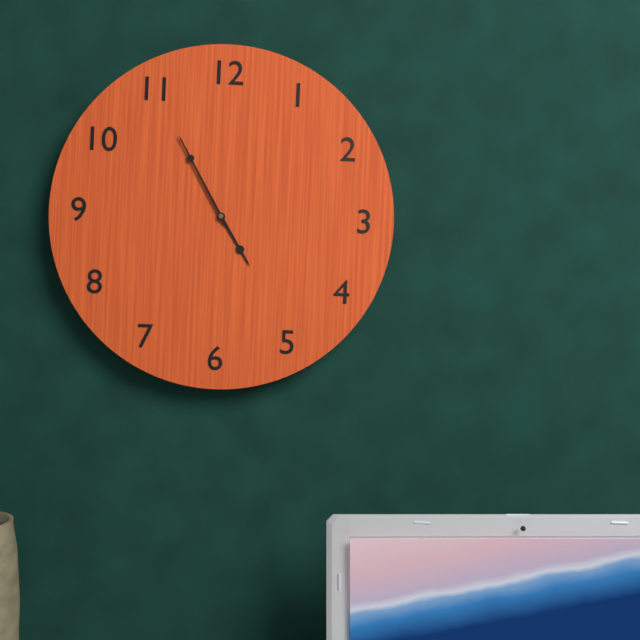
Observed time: 4.55
